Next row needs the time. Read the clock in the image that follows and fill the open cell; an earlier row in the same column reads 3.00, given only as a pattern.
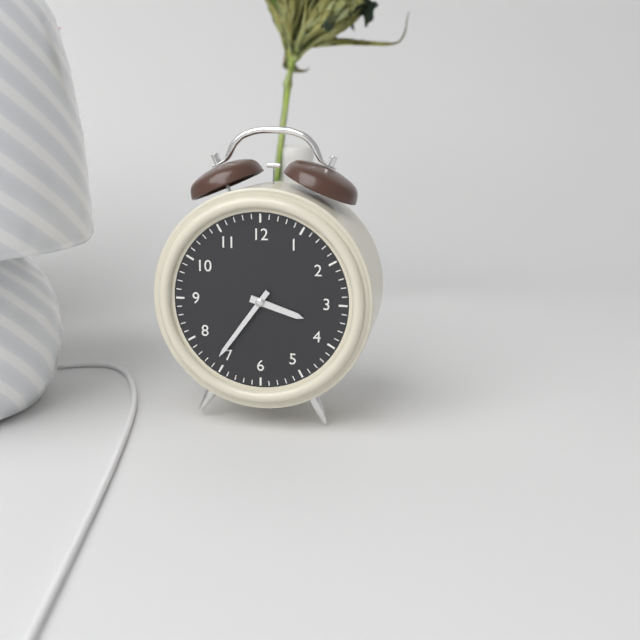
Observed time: 3.36
